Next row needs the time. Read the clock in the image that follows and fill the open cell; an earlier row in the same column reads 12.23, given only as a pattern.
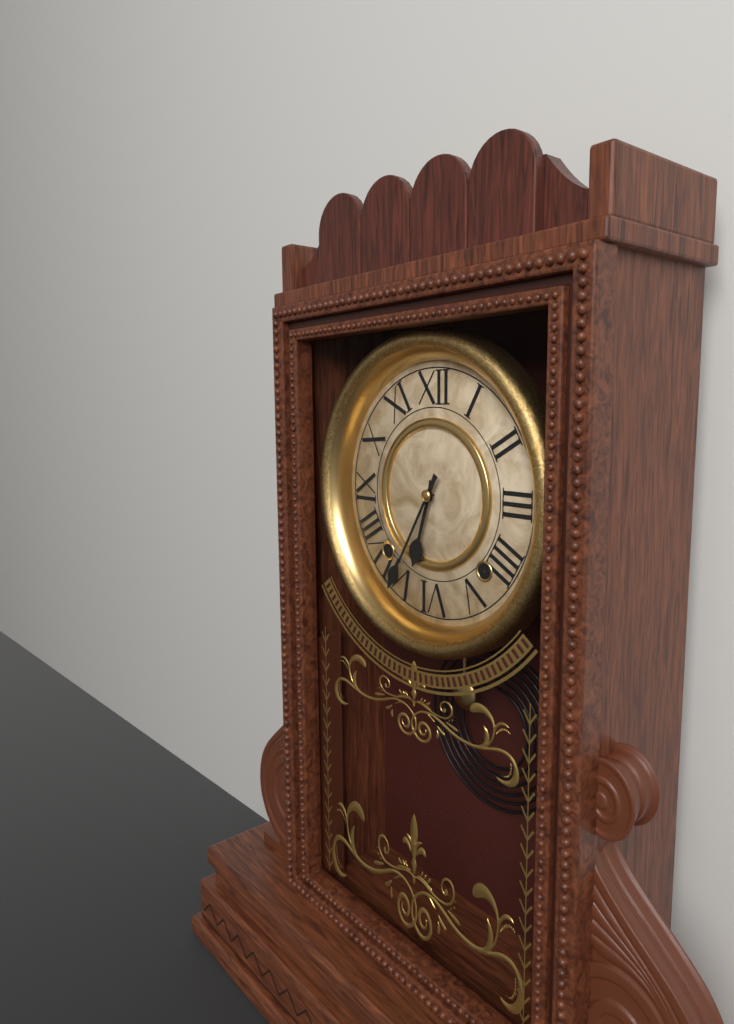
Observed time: 6.35
